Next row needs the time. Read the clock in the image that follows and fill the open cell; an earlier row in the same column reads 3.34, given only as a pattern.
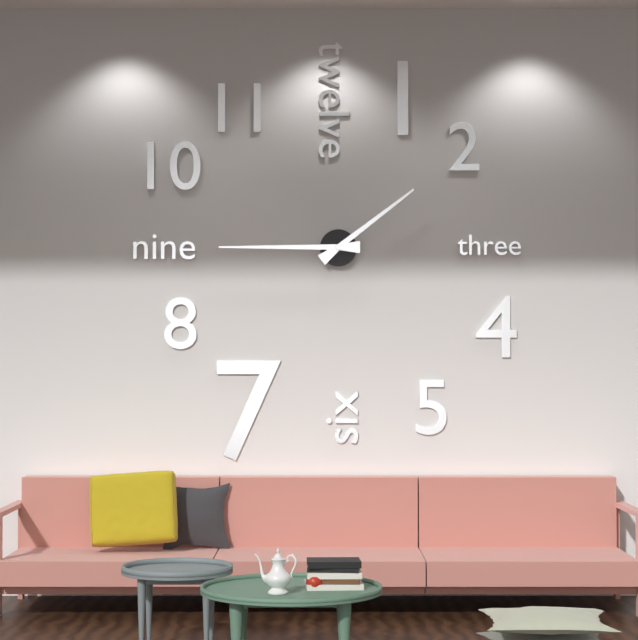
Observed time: 1.45
